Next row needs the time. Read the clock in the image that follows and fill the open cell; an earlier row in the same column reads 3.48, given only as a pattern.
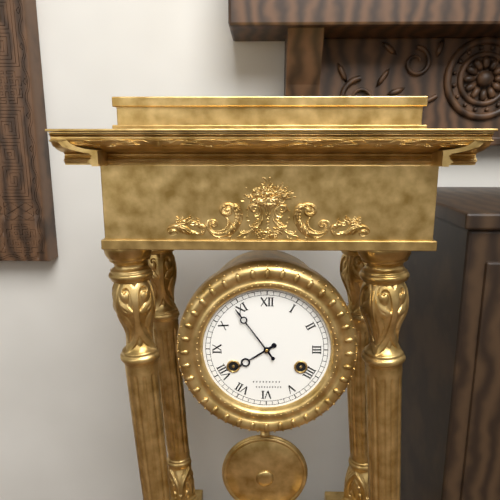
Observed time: 7.54
